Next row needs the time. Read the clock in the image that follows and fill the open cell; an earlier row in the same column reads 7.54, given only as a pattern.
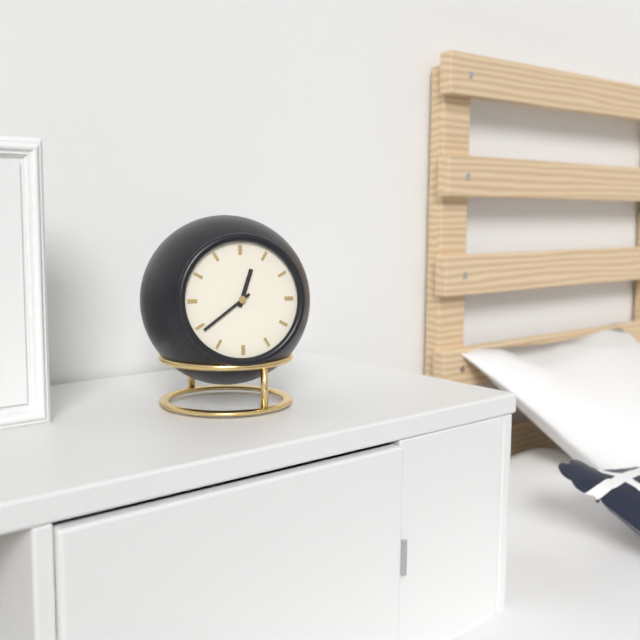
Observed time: 12.39
